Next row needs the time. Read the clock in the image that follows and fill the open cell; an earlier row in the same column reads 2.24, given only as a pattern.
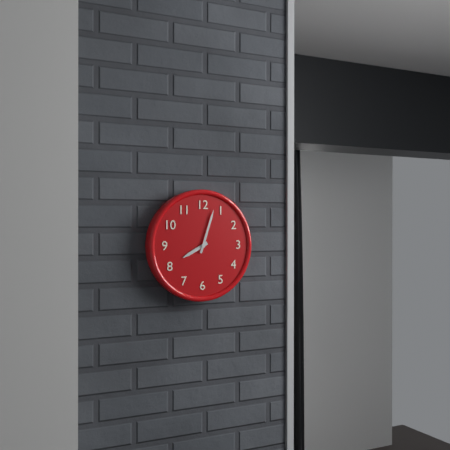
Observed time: 8.03
